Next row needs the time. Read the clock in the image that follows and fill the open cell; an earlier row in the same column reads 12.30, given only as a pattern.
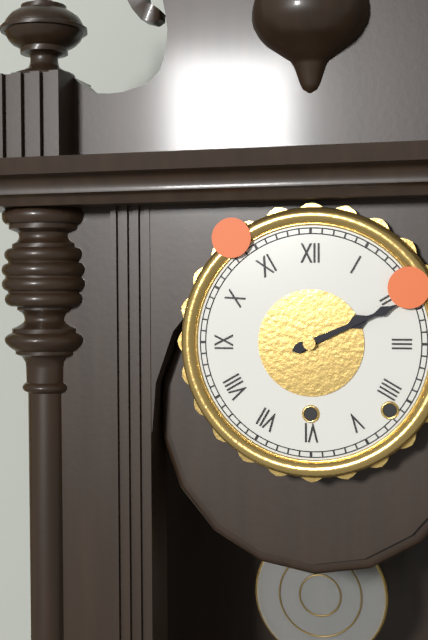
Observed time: 2.11
